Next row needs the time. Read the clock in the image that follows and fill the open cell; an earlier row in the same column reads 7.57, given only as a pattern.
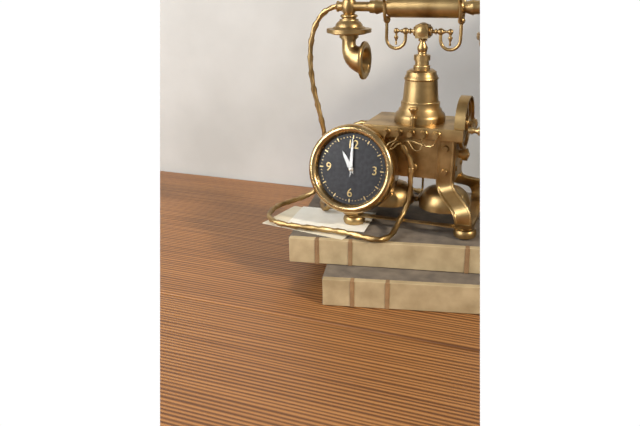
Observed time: 11.00
